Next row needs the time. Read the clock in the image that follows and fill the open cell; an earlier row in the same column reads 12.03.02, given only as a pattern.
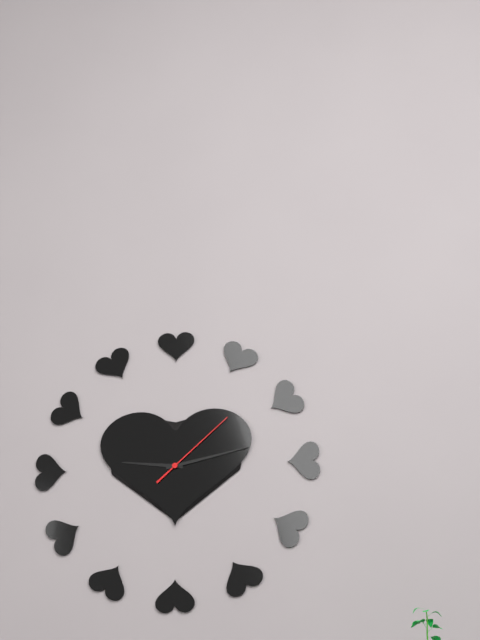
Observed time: 9.13.08
